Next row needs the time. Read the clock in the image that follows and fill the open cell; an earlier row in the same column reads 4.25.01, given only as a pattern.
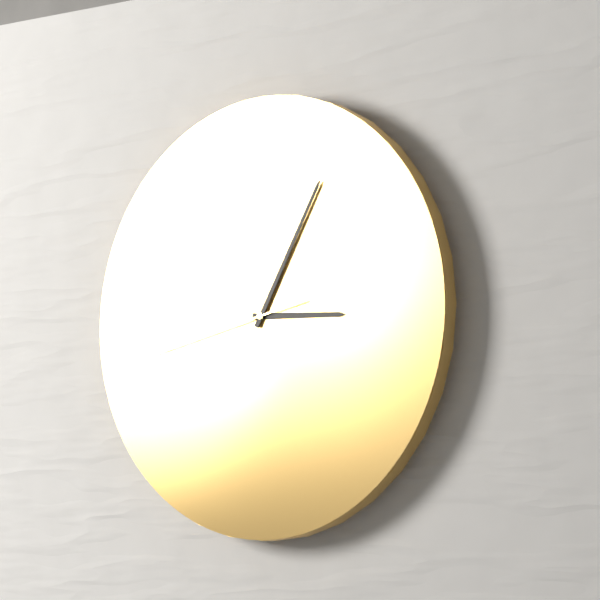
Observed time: 3.05.43
